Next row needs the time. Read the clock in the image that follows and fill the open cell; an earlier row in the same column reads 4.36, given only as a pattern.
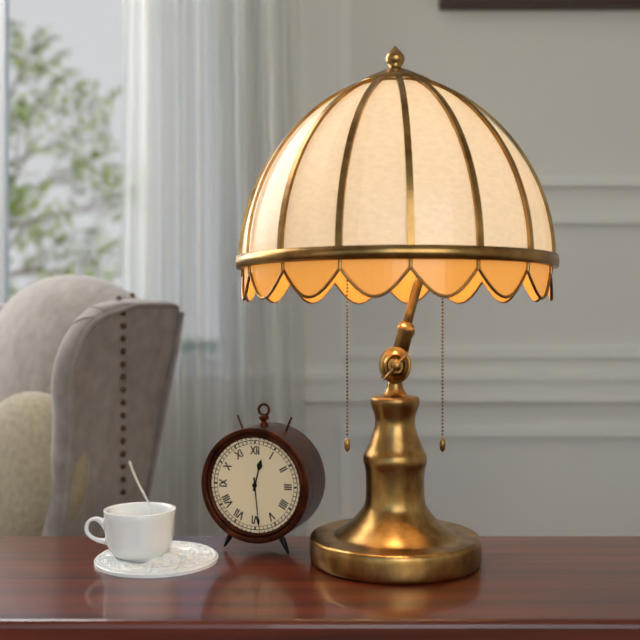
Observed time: 12.29
